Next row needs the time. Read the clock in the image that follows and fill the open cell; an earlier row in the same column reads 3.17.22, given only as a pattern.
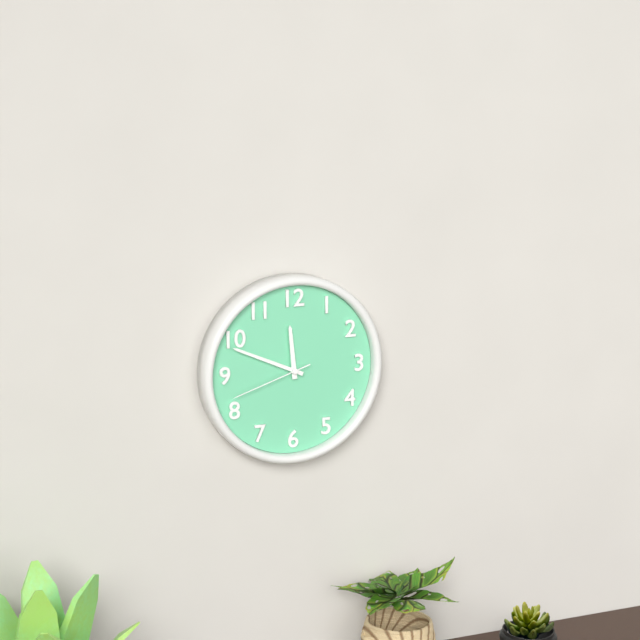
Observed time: 11.49.42
